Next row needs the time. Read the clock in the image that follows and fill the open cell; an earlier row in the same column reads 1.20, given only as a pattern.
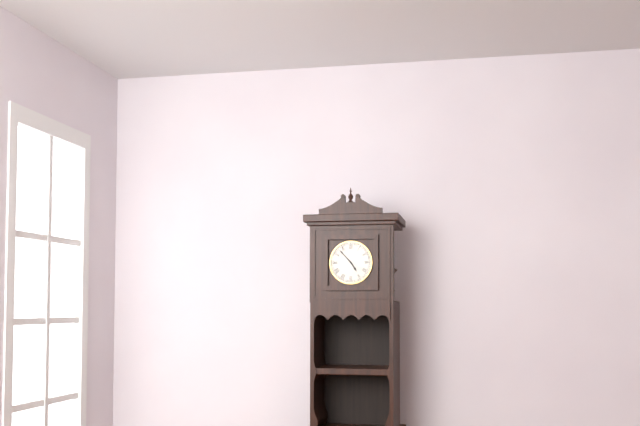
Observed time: 4.53
